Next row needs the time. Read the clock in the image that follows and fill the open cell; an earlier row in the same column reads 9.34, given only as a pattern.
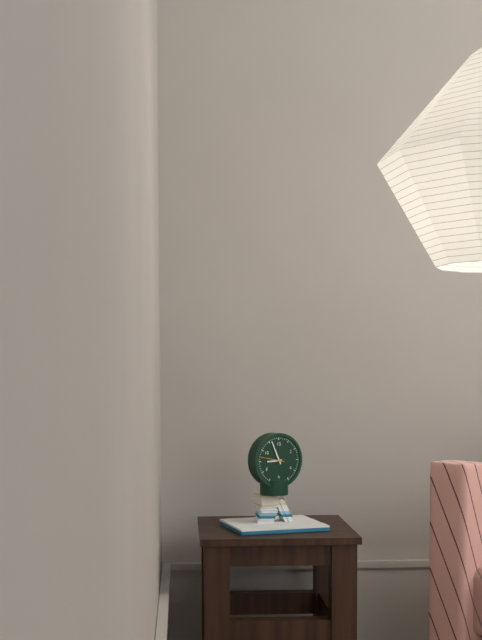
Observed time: 8.56
